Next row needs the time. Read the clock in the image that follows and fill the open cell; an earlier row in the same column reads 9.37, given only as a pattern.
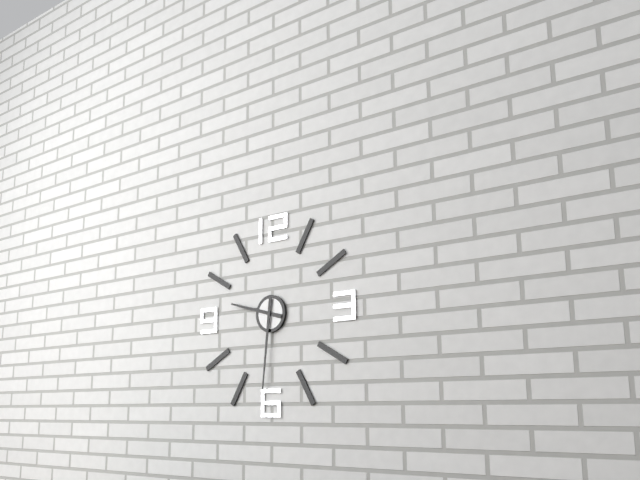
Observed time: 9.31
